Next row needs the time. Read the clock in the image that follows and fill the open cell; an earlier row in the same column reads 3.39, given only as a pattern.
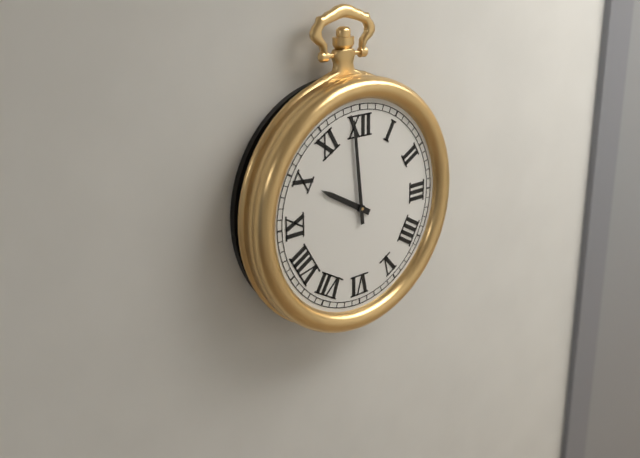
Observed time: 9.59
